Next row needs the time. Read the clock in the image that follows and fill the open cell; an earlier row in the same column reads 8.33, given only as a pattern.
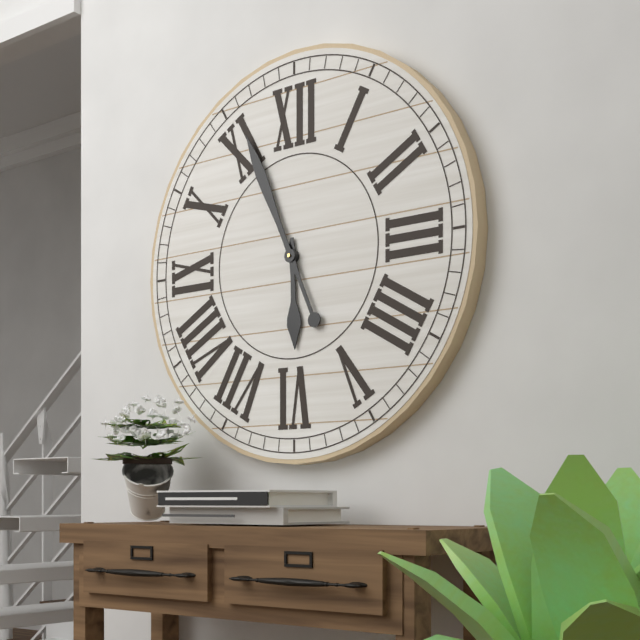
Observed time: 5.56
